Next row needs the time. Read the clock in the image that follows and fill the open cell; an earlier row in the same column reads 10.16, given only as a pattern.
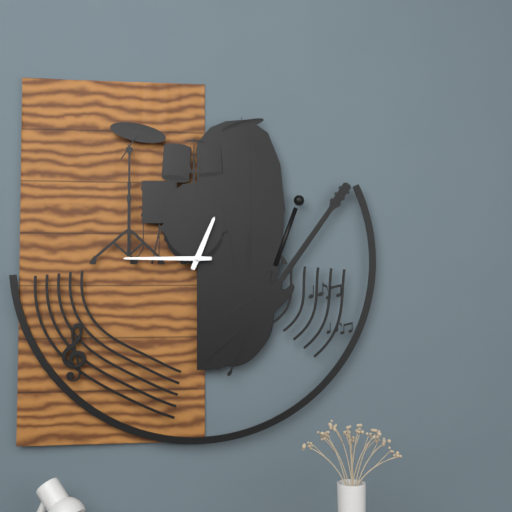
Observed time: 12.45
